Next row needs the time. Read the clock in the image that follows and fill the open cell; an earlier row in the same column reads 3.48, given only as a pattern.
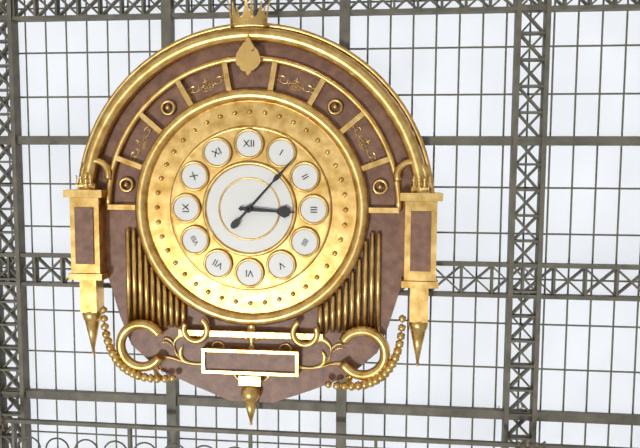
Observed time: 3.07
